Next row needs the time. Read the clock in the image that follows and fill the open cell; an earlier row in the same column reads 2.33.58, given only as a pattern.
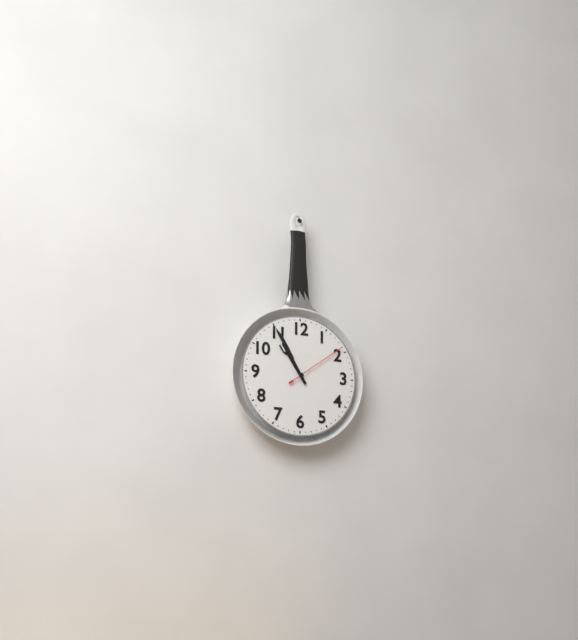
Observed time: 10.55.09
